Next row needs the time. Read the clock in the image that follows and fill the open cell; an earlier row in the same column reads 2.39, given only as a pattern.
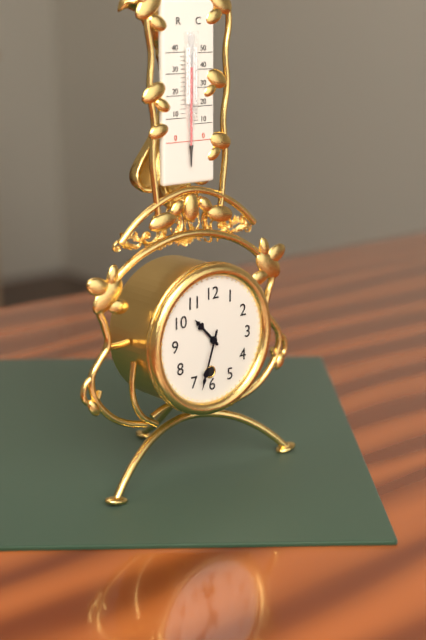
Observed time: 10.33
